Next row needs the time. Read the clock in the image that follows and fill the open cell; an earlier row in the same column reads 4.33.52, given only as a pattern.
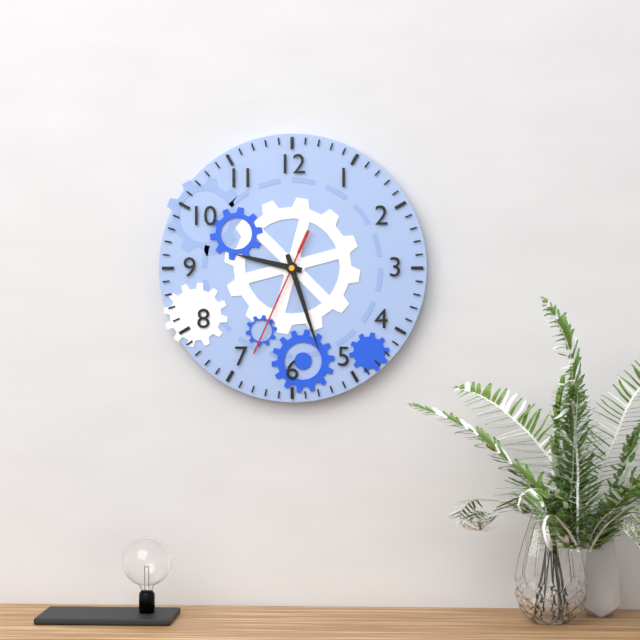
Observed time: 9.27.34
